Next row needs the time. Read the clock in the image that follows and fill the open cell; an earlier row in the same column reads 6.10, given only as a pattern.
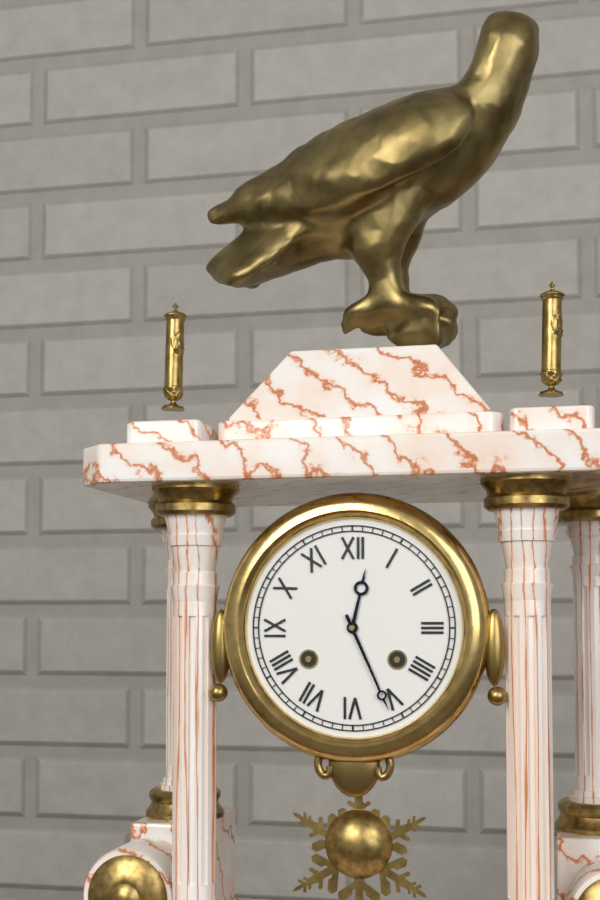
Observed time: 12.26
